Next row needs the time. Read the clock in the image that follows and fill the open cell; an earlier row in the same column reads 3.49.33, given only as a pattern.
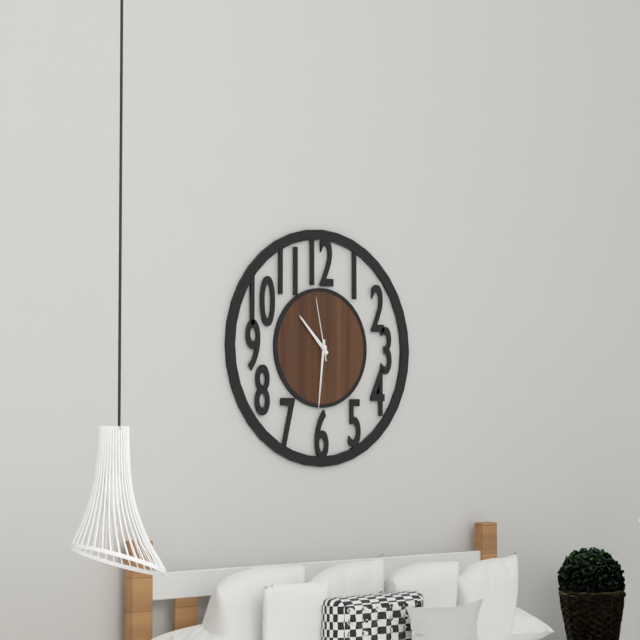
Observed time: 10.31.58
